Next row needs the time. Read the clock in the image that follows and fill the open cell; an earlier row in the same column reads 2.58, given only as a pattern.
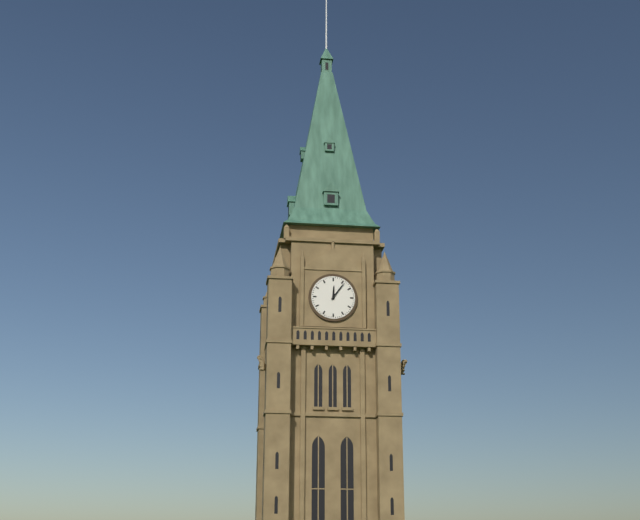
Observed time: 12.06
